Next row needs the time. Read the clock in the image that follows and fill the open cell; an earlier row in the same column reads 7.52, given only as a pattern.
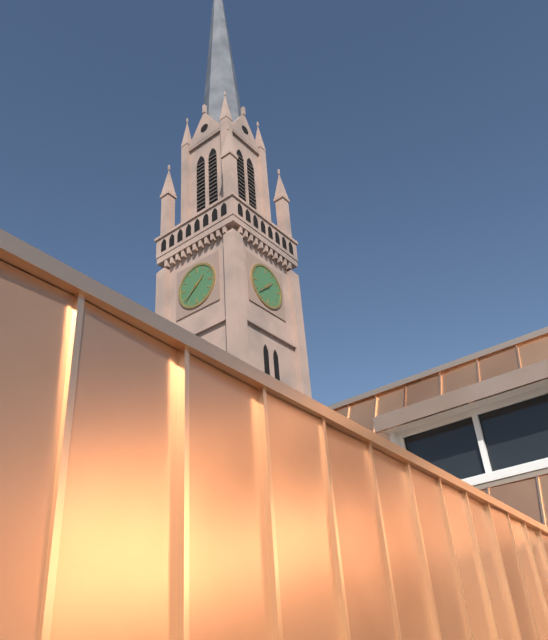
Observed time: 1.38
